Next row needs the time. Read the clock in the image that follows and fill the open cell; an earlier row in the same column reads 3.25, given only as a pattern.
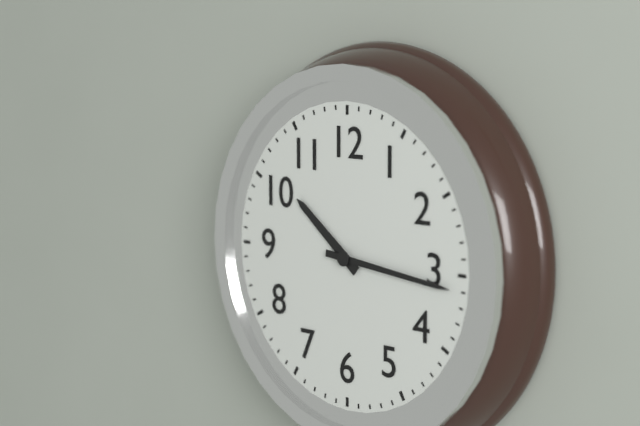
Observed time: 10.16
